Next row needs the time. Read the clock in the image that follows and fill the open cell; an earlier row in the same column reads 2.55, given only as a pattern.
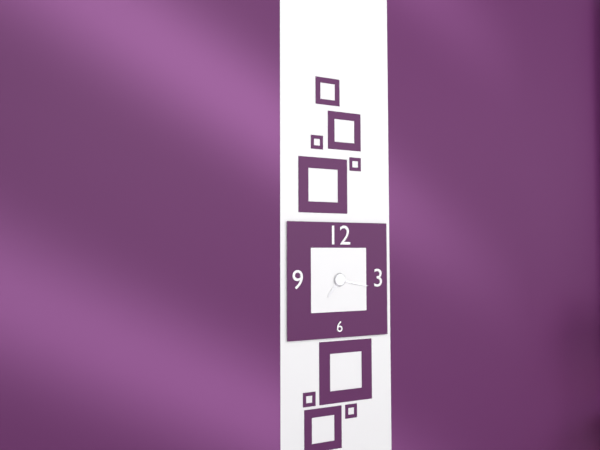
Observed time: 7.17
